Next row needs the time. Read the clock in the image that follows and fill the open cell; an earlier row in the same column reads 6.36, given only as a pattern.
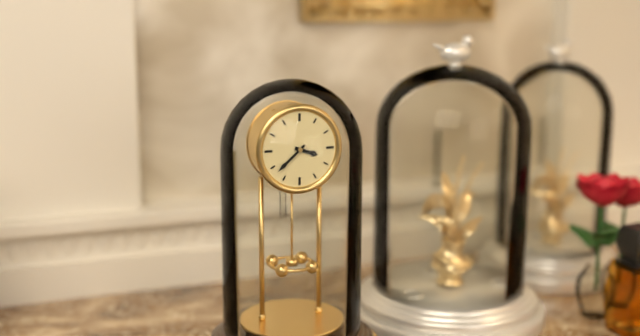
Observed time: 3.38
